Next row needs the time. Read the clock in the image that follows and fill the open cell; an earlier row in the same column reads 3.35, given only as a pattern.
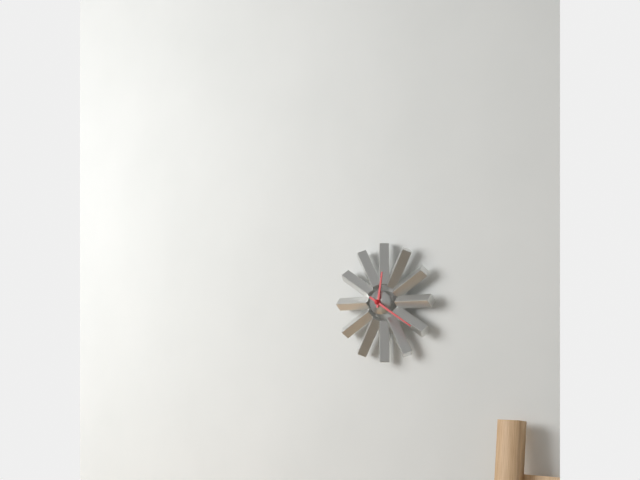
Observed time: 12.20
